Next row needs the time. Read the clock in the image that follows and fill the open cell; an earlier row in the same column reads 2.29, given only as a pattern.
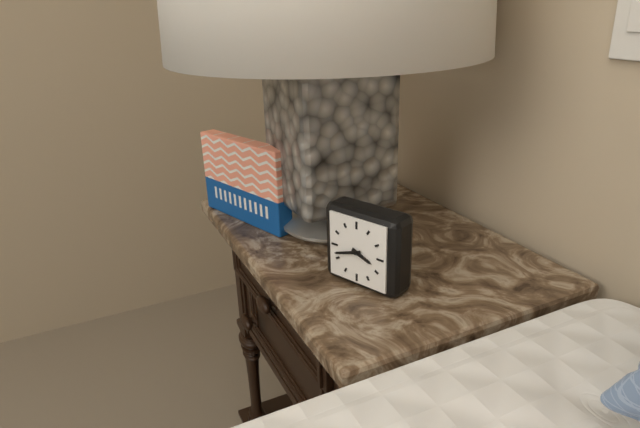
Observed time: 3.42
